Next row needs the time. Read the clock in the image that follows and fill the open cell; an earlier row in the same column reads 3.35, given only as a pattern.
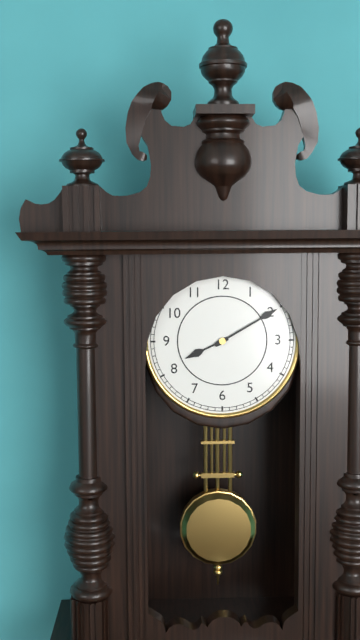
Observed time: 8.10
